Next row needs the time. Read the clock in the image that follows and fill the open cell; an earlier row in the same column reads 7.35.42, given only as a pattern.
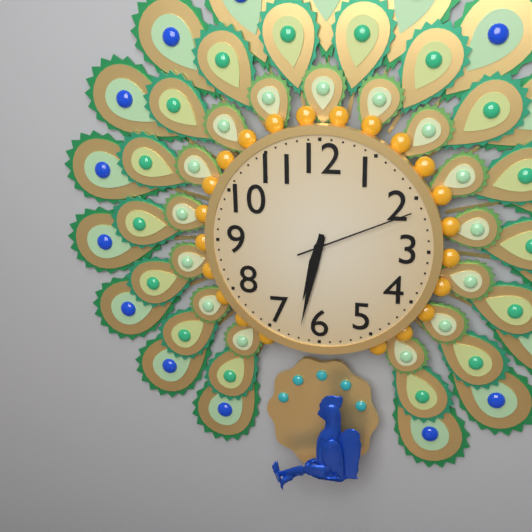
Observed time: 6.32.11
